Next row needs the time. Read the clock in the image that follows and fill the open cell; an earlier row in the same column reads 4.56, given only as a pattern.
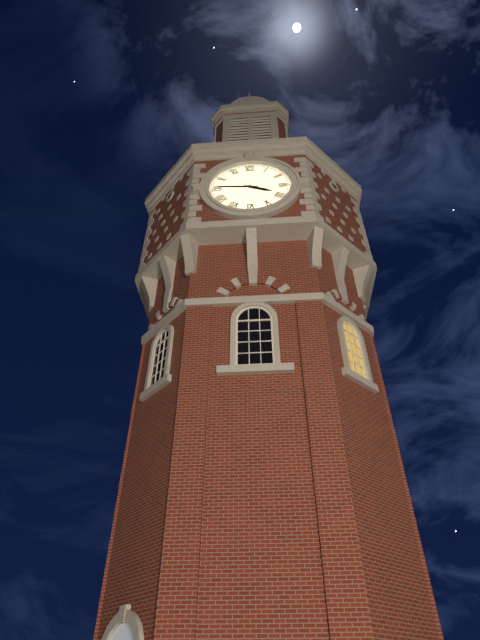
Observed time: 3.46
